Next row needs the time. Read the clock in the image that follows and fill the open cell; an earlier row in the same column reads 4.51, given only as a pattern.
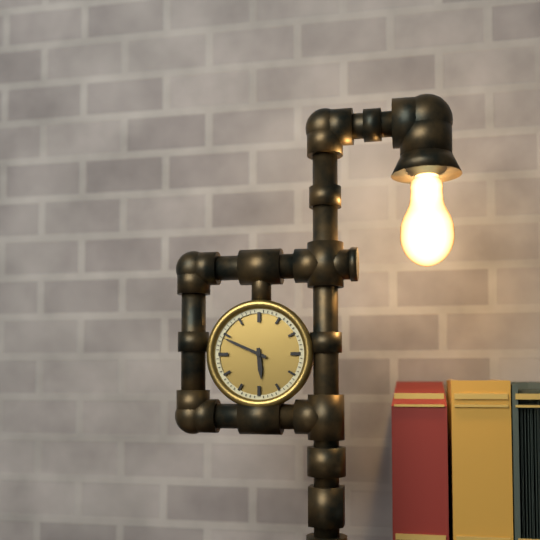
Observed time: 5.49
